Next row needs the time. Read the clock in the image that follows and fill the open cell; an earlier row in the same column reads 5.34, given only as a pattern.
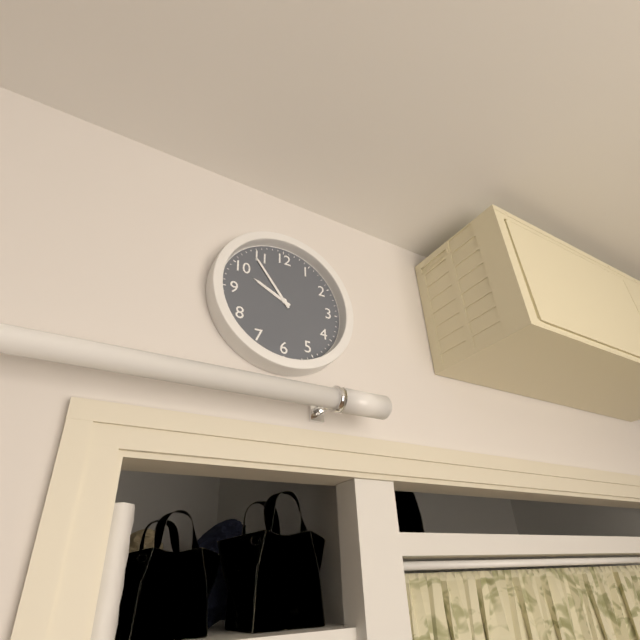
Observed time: 9.54
